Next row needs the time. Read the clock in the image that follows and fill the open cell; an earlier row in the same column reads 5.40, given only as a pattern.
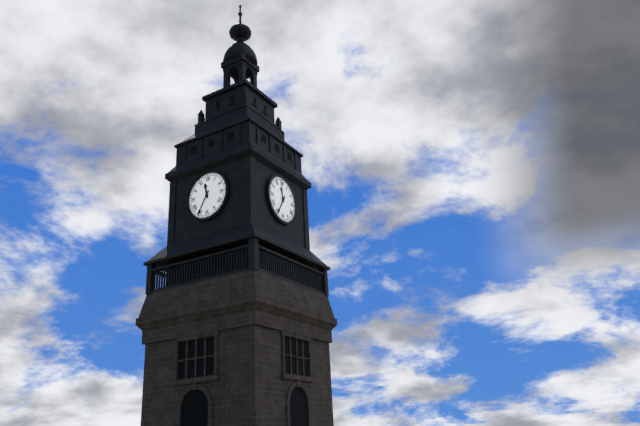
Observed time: 11.35
